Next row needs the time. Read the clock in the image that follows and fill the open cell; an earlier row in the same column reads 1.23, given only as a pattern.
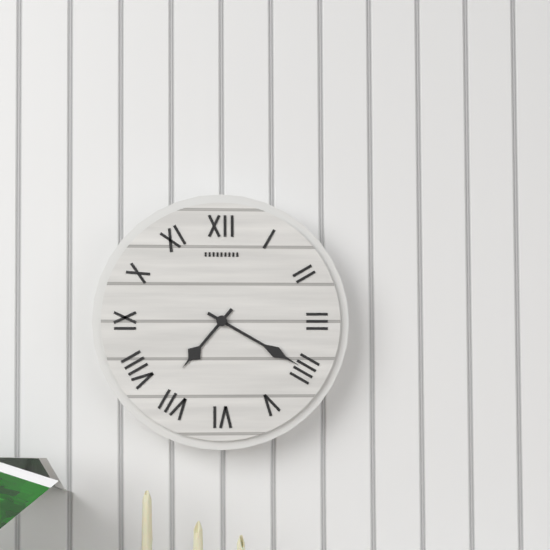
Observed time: 7.20
